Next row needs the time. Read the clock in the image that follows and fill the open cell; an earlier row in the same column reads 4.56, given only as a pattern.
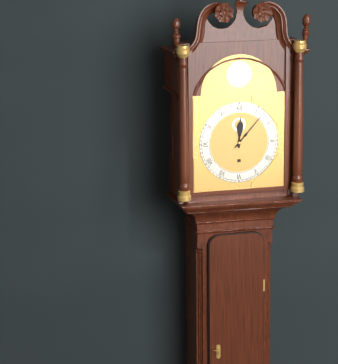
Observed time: 12.07
